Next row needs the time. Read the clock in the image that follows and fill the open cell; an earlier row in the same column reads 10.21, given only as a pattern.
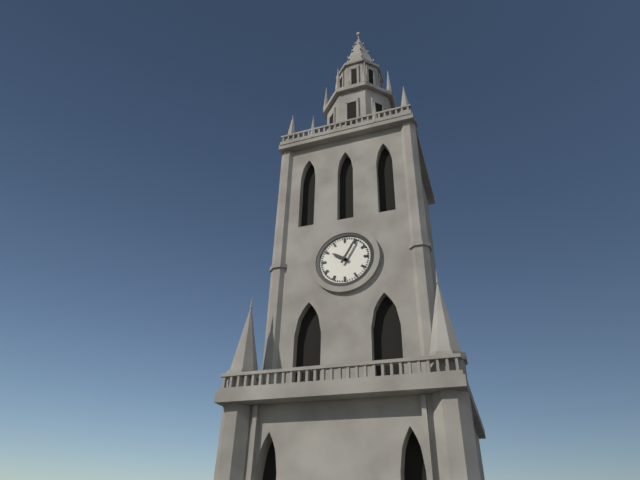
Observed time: 10.05
